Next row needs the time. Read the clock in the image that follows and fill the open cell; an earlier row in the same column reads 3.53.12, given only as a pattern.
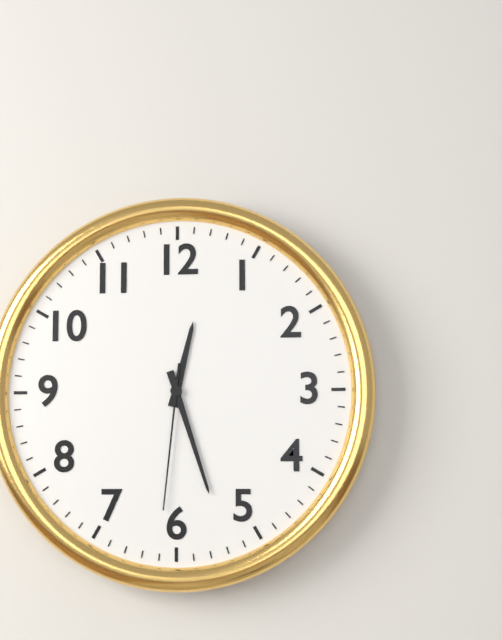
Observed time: 12.27.31
